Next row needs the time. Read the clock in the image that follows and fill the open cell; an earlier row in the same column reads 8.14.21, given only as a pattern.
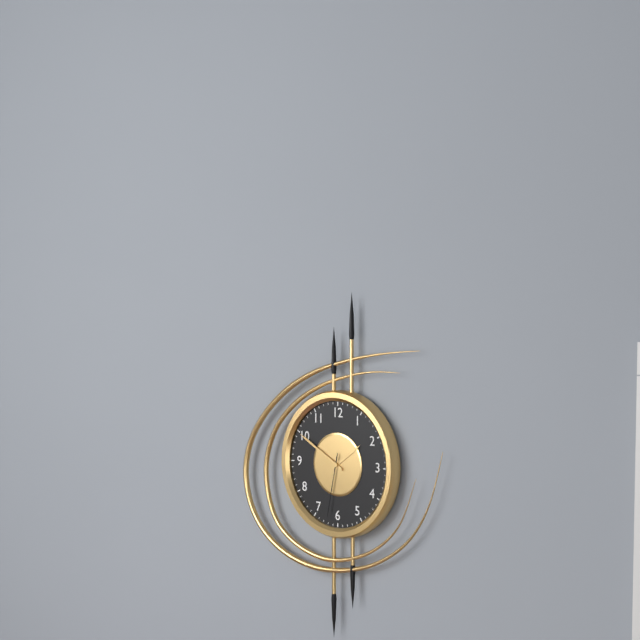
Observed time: 1.50.32
